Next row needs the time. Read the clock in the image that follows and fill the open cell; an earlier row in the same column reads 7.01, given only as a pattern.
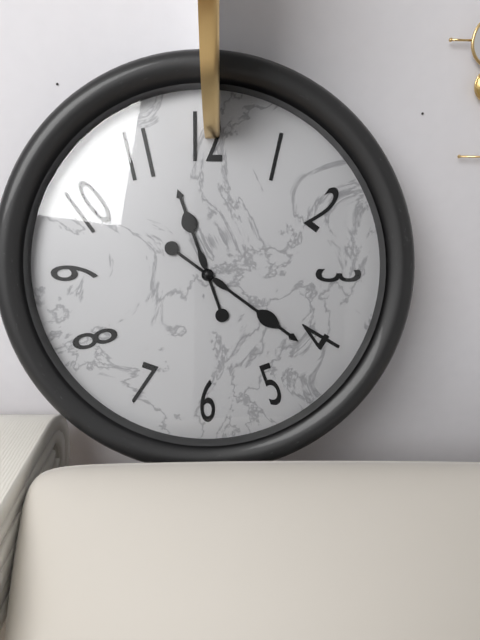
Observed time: 11.21
